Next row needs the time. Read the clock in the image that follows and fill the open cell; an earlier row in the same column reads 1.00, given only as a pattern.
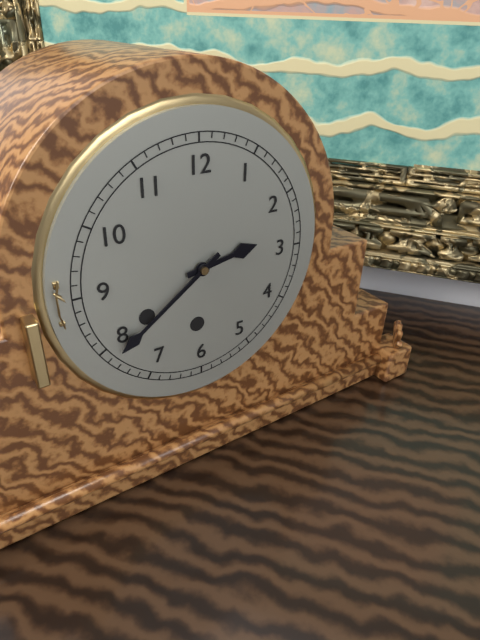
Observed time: 2.39
